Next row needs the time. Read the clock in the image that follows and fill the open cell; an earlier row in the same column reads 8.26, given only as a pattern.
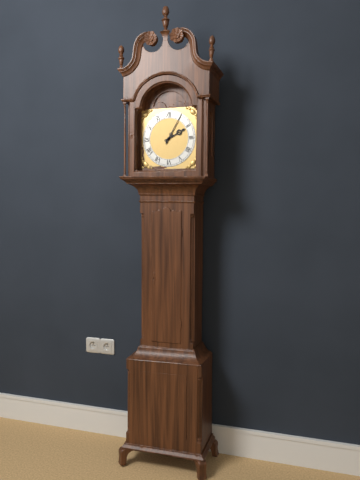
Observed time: 2.05
